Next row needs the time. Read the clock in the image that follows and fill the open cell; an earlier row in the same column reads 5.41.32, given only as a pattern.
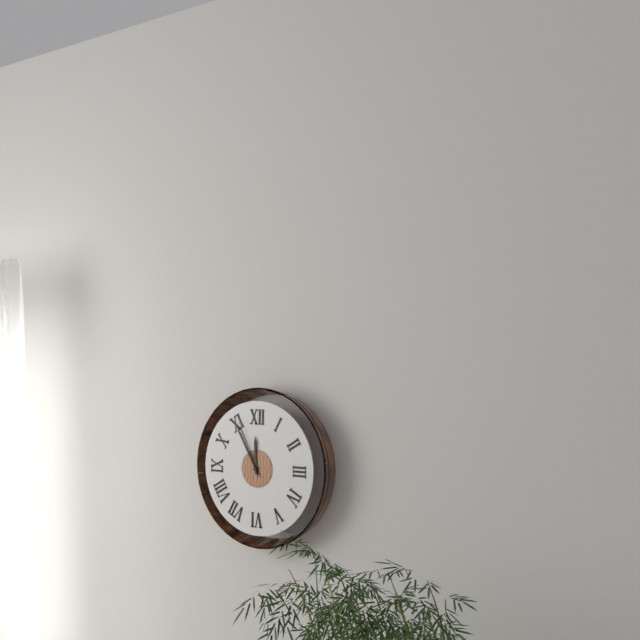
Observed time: 11.55.56
